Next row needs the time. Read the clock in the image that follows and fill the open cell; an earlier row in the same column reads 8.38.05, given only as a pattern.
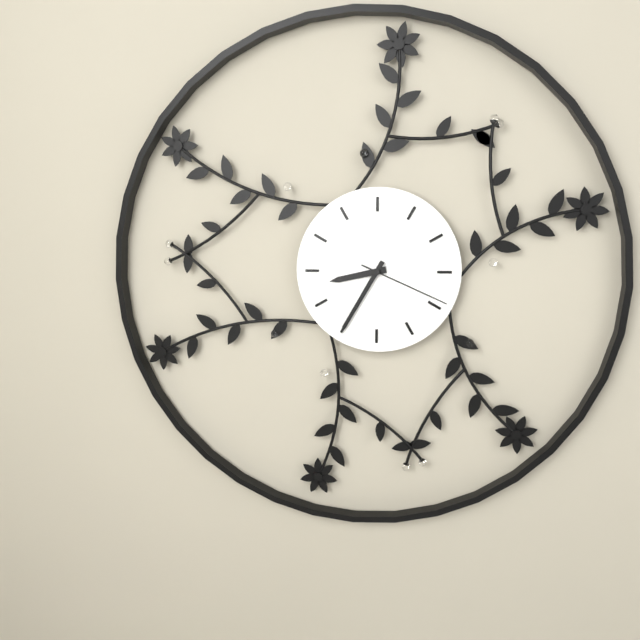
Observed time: 8.35.19
